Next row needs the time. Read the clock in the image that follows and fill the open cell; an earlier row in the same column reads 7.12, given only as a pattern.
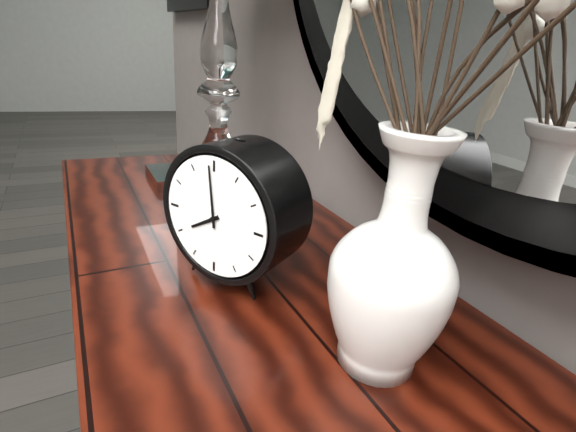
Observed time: 7.59
